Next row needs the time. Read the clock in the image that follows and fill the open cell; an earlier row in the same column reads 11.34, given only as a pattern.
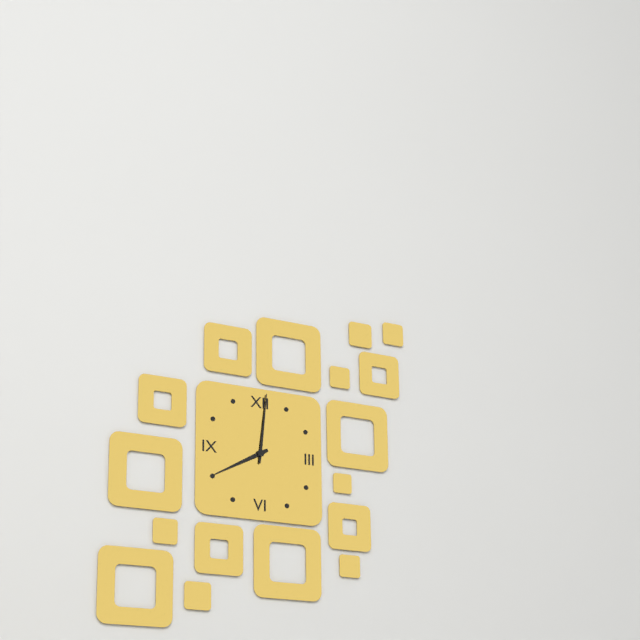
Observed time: 8.01
